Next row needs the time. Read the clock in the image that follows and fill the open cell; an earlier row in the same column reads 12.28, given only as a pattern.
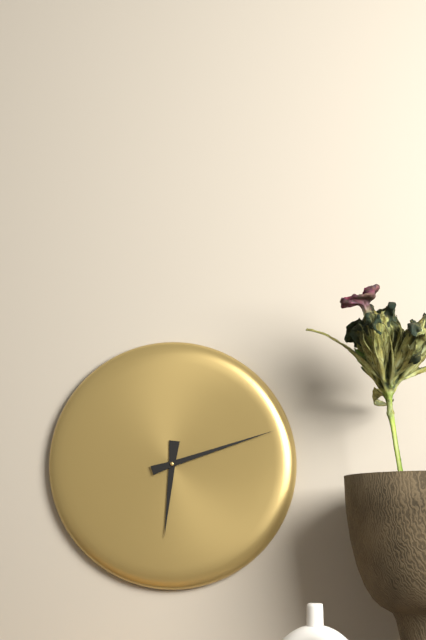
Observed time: 6.12
